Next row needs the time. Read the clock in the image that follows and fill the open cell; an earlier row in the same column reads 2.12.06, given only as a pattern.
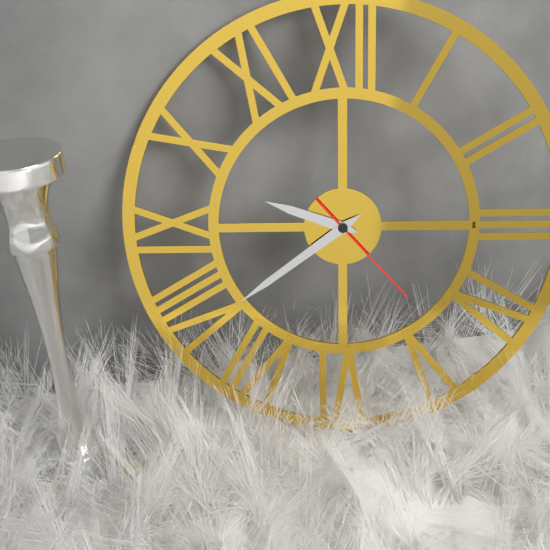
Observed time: 9.39.23
